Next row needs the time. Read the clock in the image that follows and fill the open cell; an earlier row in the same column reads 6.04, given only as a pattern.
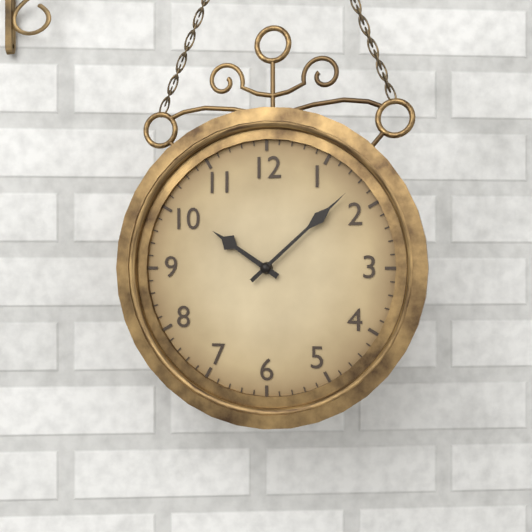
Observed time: 10.08
